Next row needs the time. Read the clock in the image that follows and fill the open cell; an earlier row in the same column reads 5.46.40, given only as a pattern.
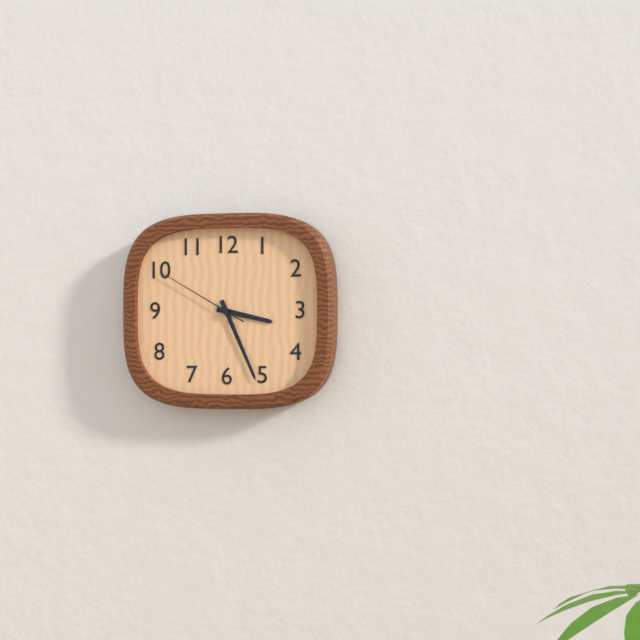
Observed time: 3.26.50
